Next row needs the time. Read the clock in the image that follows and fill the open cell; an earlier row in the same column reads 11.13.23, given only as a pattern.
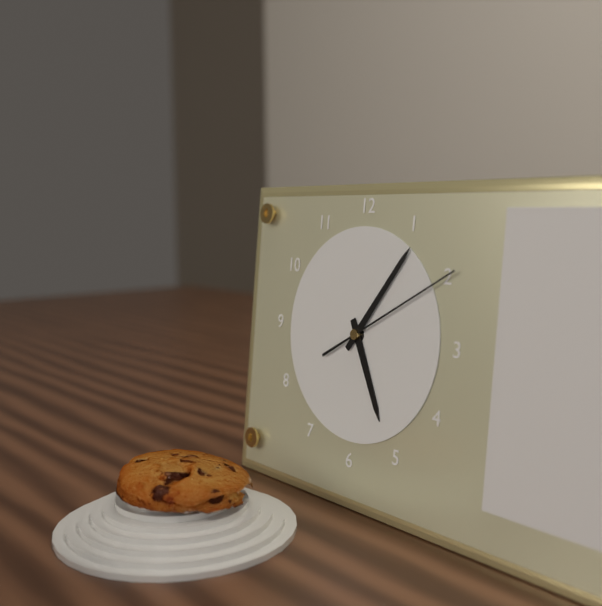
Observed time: 5.06.10
